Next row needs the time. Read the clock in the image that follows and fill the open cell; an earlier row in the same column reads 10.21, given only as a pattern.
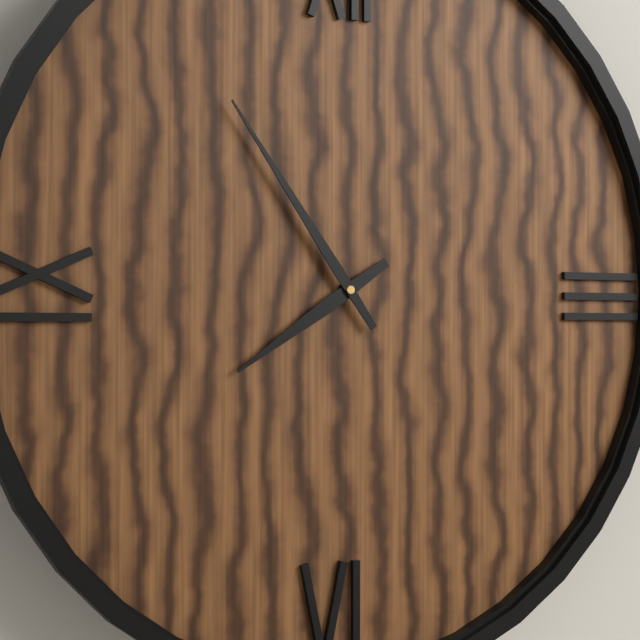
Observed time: 7.54
